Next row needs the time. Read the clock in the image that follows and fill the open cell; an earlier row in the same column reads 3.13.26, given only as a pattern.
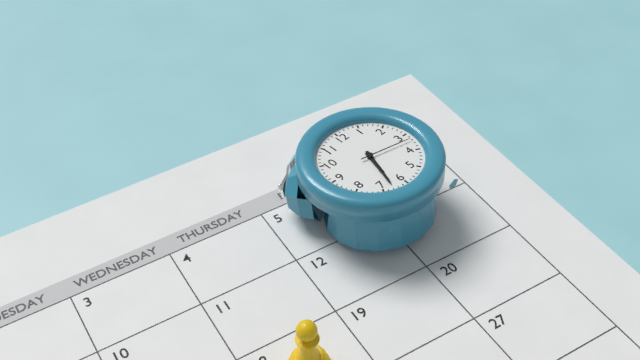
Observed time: 6.33.17
